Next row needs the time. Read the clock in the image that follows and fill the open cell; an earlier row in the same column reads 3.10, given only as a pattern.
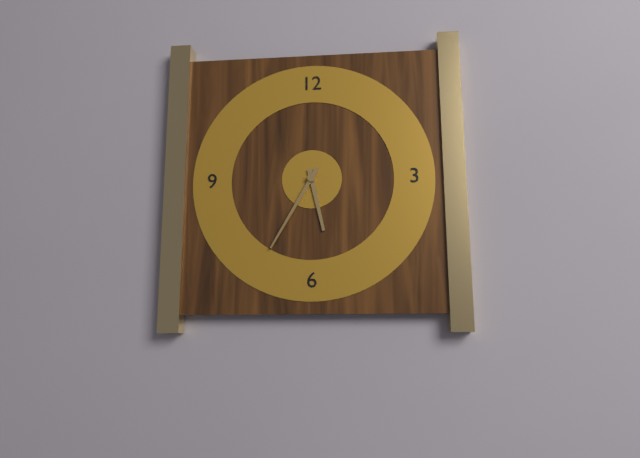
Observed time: 5.35
